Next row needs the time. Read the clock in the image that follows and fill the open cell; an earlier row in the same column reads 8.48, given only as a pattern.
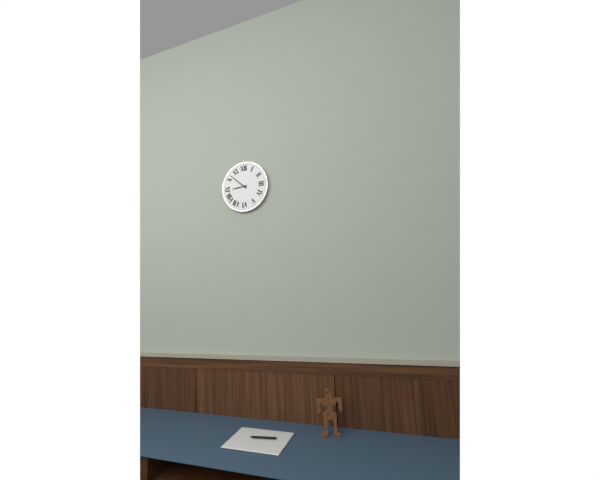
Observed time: 8.52
